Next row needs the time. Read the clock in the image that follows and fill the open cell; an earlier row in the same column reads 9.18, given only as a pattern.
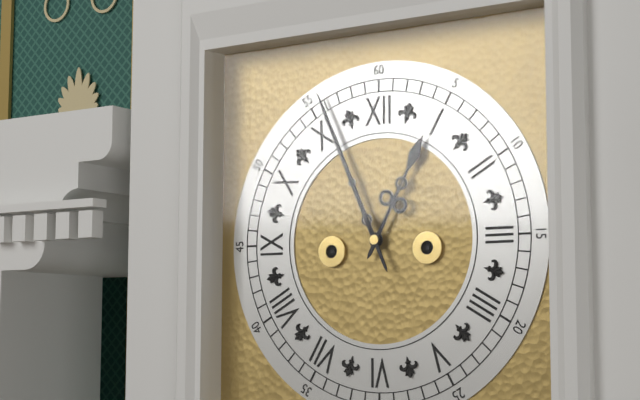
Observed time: 12.56
